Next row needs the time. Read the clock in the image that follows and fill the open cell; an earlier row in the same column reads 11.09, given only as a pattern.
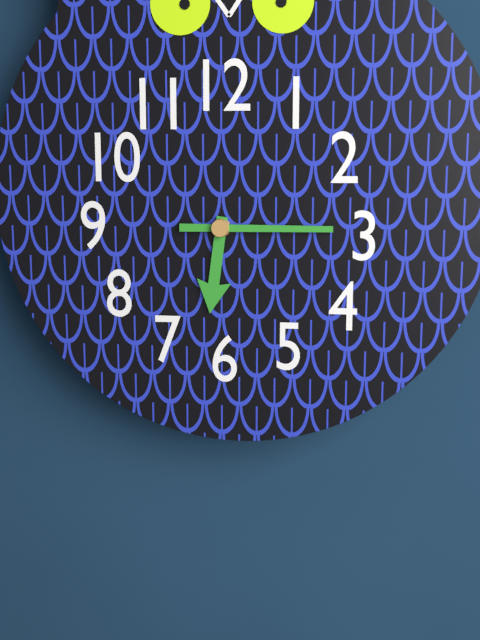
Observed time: 6.15
